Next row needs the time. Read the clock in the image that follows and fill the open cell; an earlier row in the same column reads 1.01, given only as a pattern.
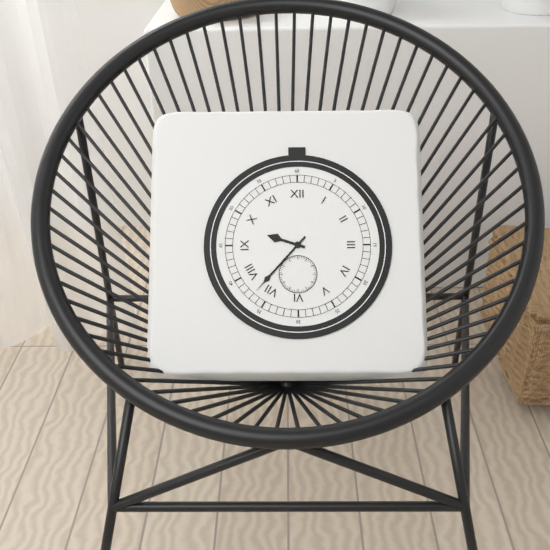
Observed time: 9.37
